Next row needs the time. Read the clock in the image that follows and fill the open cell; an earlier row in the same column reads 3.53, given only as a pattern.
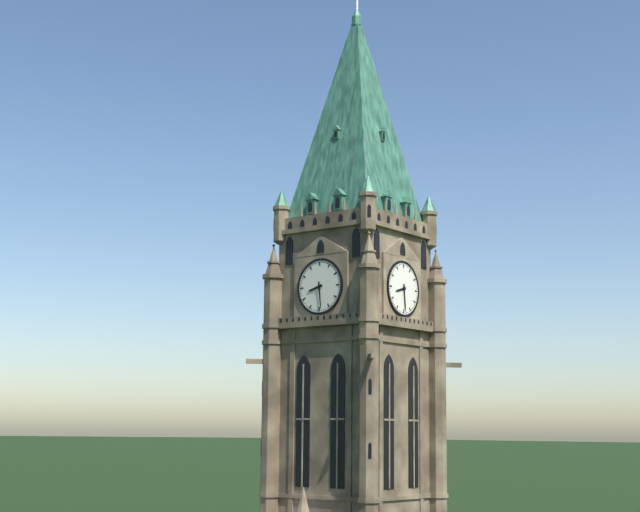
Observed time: 8.29
